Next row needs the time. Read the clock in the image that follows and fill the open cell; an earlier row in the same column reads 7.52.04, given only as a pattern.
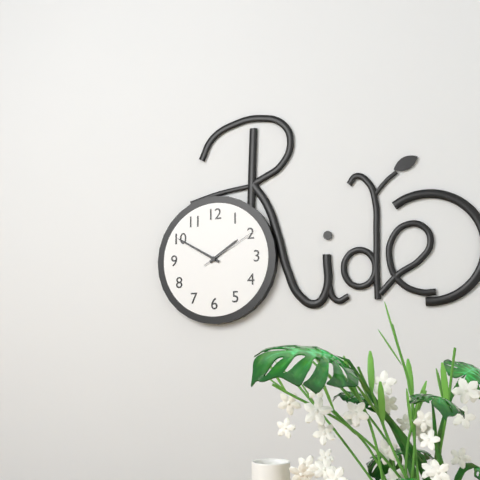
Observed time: 1.50.10
